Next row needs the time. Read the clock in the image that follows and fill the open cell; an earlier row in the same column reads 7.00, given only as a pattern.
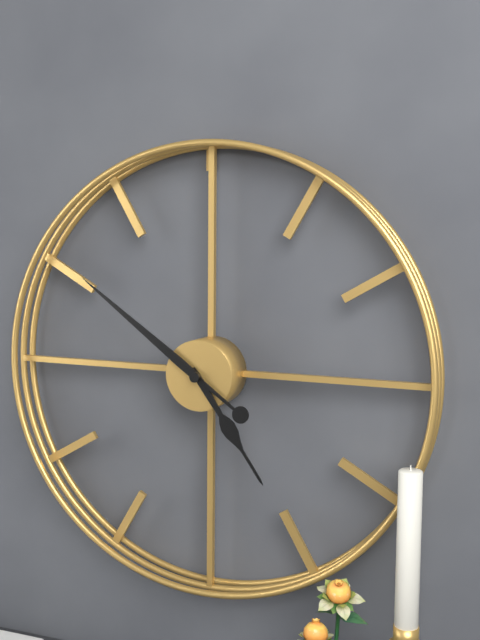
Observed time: 4.51
